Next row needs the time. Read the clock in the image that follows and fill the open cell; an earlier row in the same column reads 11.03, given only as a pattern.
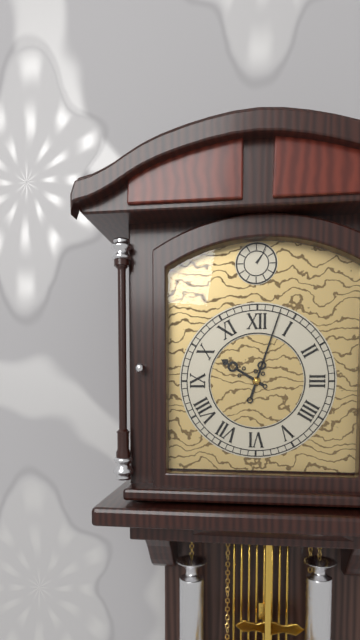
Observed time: 10.03
